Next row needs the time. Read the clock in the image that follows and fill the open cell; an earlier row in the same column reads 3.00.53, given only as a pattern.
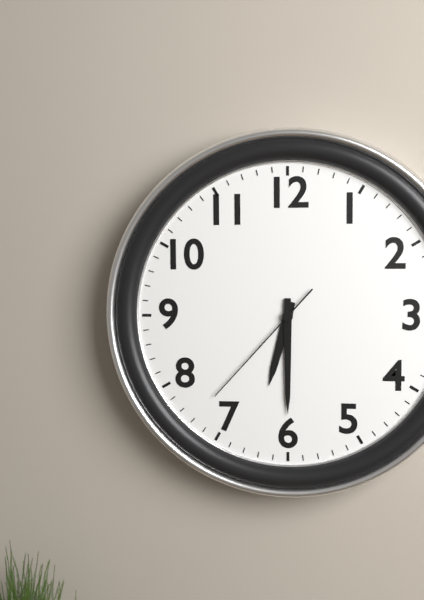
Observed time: 6.30.37
